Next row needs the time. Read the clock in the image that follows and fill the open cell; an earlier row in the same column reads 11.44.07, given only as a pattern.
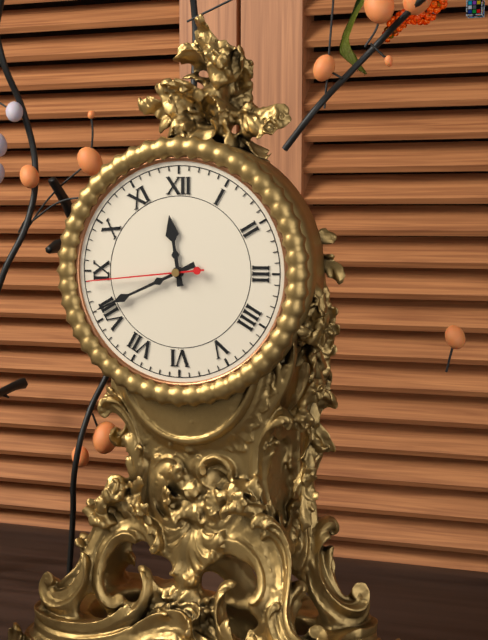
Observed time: 11.41.44
